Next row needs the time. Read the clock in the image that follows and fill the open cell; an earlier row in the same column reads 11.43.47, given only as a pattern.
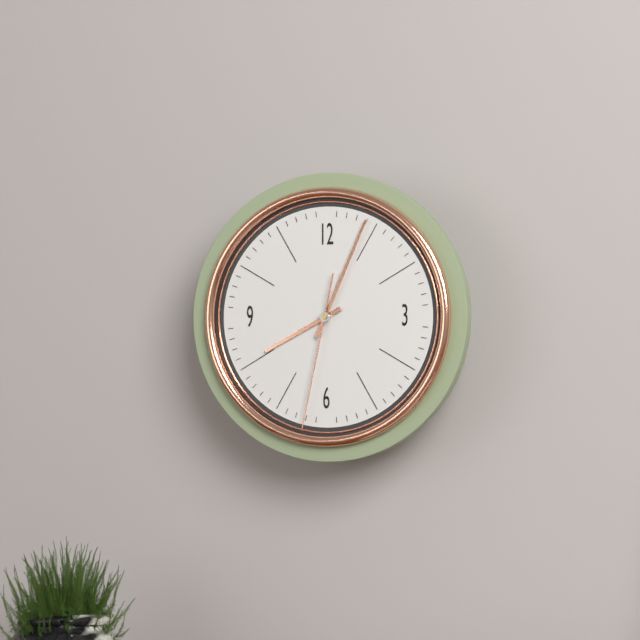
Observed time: 8.04.32
